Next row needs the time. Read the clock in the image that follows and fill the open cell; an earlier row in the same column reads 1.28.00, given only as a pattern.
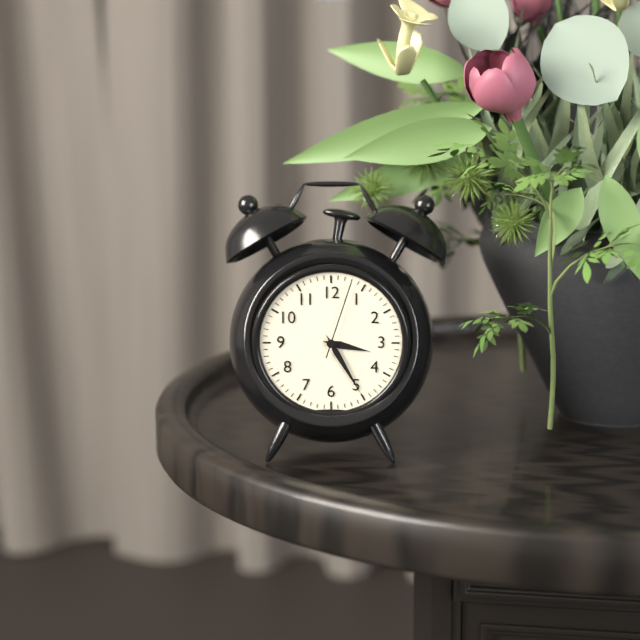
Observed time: 3.25.03
